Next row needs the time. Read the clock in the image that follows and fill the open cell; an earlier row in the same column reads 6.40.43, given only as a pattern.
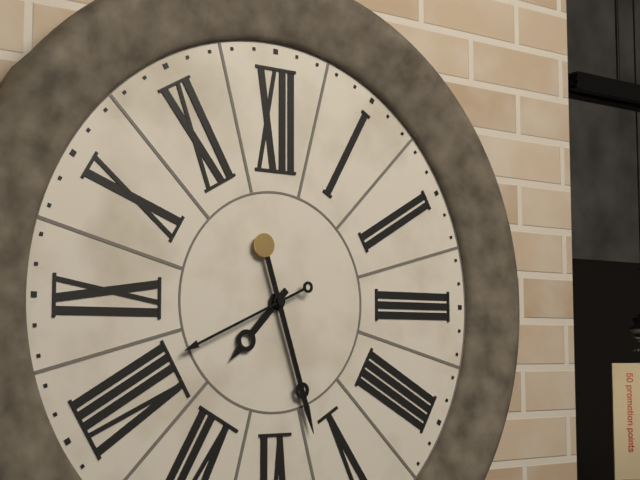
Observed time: 7.27.41
